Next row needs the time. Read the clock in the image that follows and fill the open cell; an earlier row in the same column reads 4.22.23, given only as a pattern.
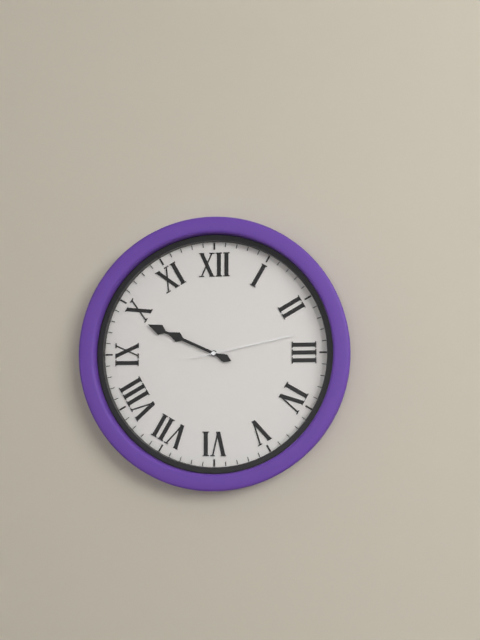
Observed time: 9.49.13
